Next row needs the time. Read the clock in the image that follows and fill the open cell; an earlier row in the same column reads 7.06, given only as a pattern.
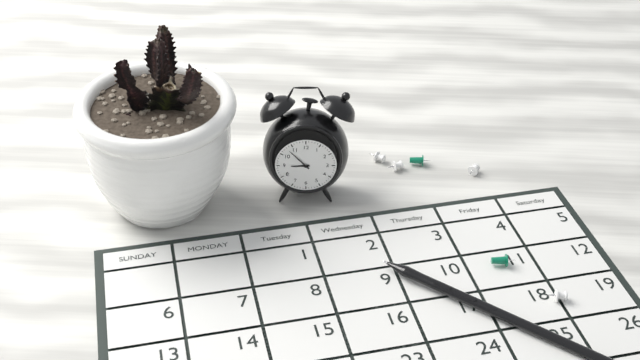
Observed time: 8.53
